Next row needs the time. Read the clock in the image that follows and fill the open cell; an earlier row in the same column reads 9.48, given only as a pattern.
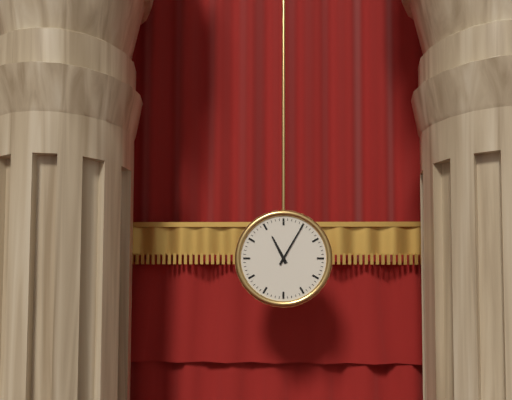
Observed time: 11.05
